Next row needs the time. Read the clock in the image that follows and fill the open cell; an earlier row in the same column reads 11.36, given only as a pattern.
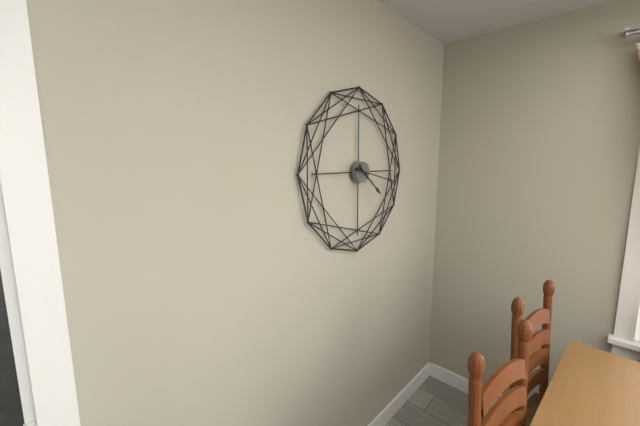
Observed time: 4.17
